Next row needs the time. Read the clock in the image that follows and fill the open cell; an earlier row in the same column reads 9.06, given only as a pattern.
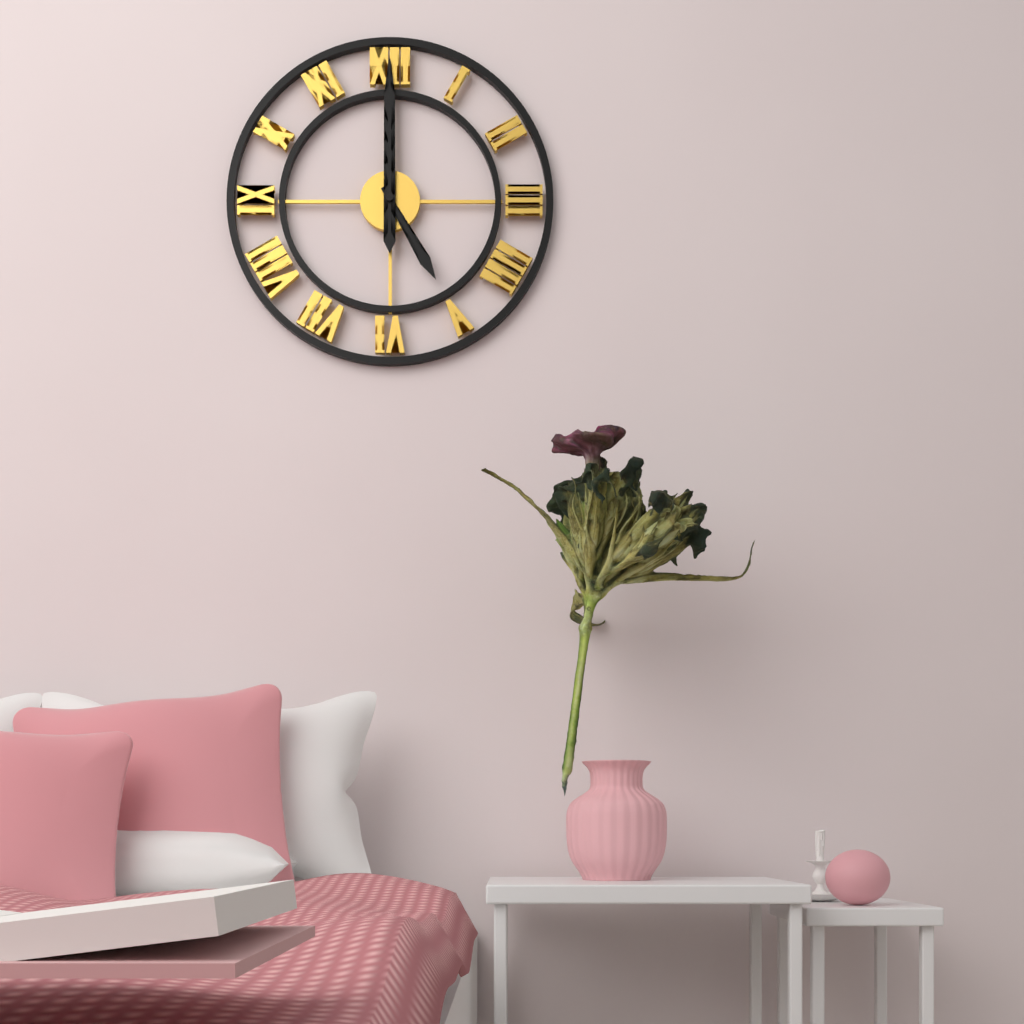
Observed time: 5.00
